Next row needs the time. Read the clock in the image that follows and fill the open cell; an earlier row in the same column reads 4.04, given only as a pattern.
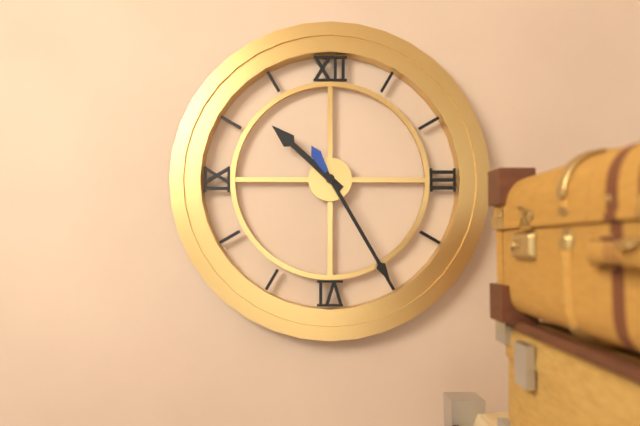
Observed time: 10.25
